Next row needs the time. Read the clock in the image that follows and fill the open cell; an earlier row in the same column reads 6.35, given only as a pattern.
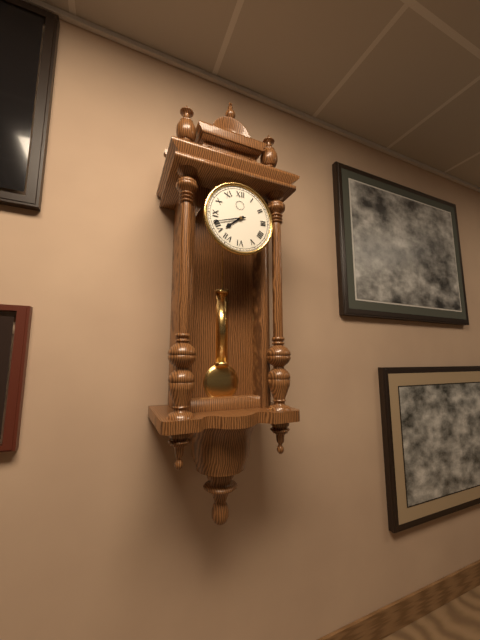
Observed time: 7.42
